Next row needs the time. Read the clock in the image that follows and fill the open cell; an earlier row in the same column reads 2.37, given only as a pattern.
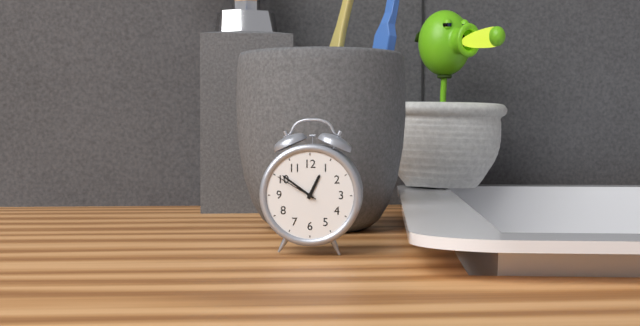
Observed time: 12.51
